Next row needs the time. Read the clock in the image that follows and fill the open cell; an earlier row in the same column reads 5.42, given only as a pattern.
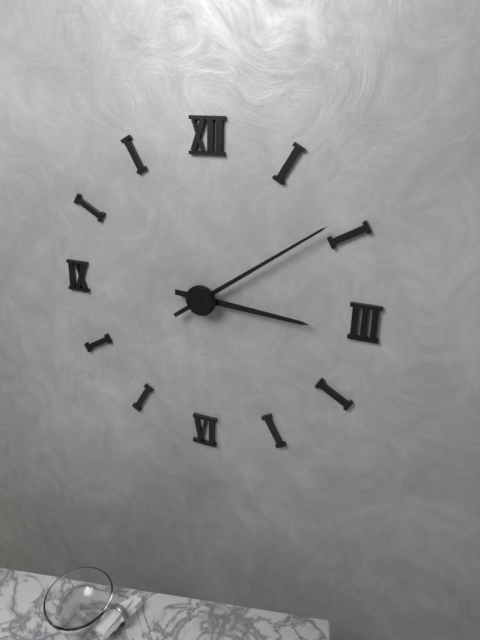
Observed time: 3.09
